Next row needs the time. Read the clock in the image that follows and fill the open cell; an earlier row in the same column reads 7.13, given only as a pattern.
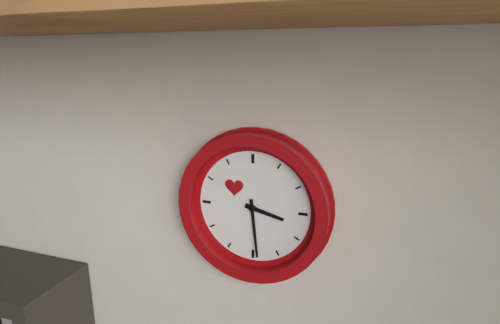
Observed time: 3.29
